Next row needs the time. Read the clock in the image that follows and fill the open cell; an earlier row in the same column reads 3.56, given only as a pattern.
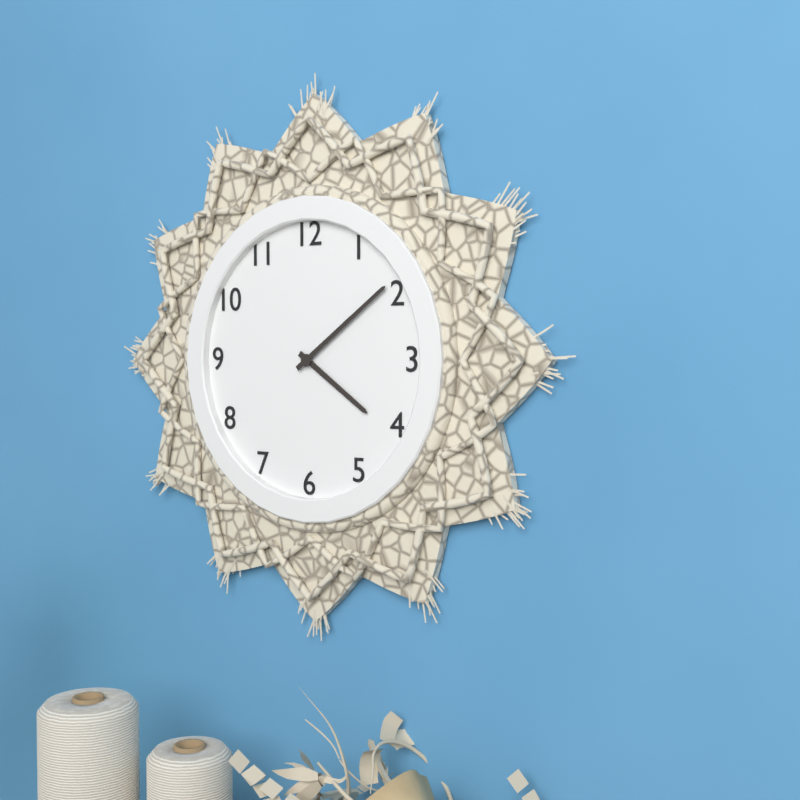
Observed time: 4.09
